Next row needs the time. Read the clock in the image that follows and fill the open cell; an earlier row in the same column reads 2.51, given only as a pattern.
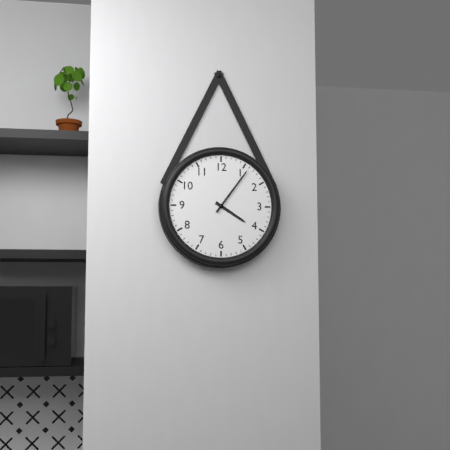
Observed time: 4.06
